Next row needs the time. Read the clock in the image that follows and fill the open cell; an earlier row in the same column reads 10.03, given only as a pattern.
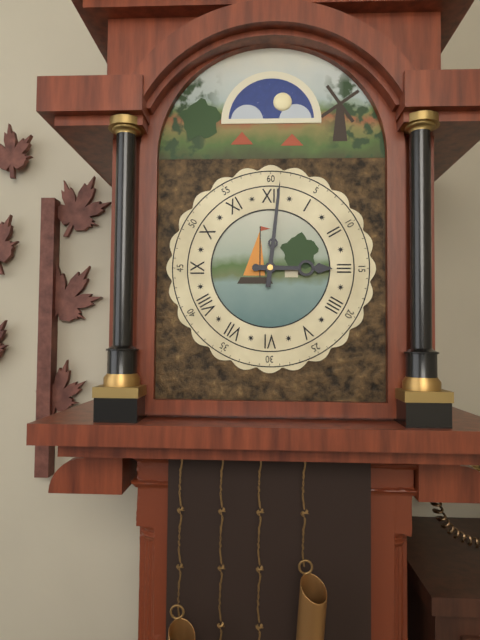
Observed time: 3.01
